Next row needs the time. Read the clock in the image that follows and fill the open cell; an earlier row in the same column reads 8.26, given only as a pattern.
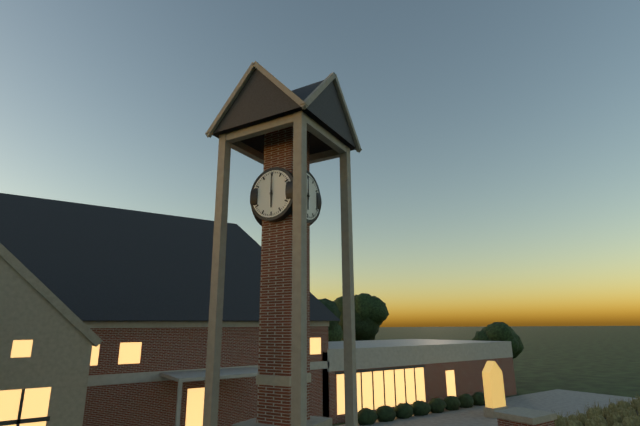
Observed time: 6.00
